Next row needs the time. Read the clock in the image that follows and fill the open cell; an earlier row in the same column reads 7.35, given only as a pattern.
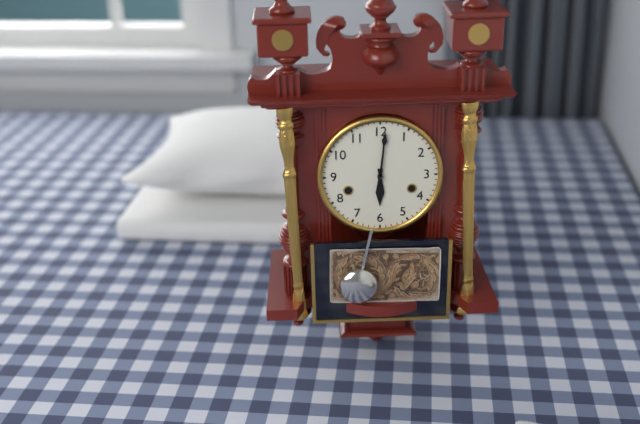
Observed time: 6.01
